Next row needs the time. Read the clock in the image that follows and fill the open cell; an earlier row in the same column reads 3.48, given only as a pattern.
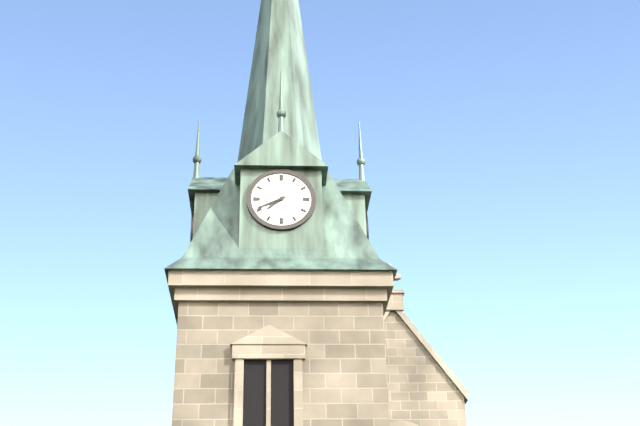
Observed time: 7.41
